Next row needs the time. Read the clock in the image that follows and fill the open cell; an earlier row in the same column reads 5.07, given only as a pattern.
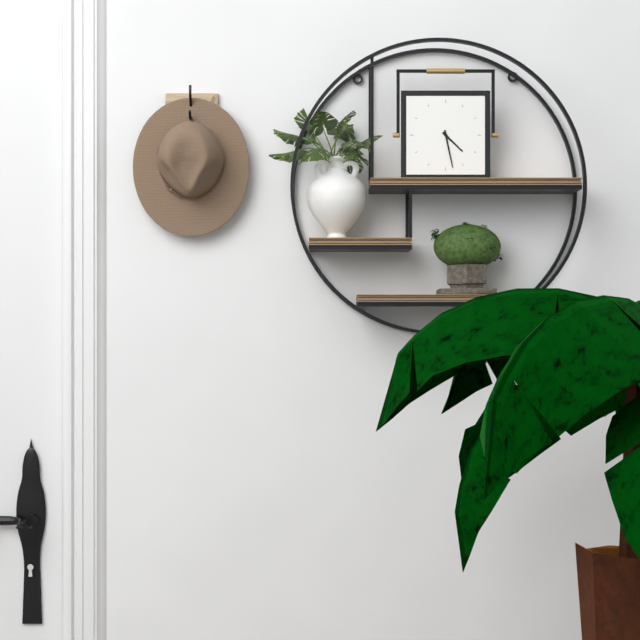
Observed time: 4.28
